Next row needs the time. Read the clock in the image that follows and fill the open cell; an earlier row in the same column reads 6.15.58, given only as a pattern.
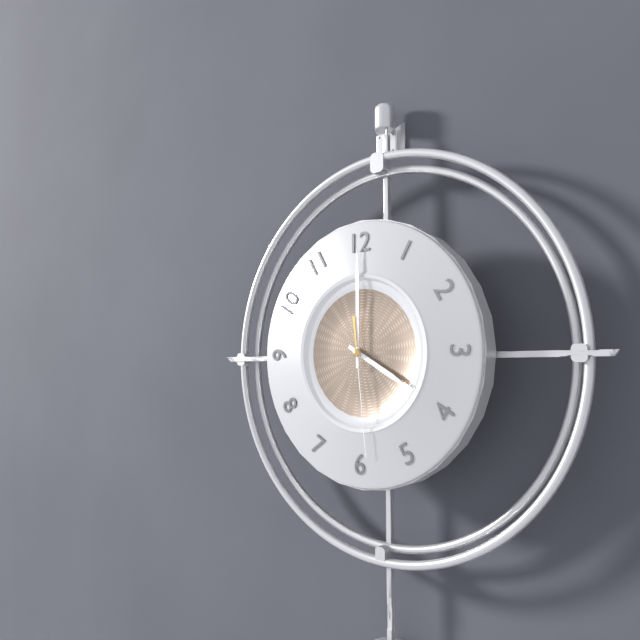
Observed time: 4.00.29
